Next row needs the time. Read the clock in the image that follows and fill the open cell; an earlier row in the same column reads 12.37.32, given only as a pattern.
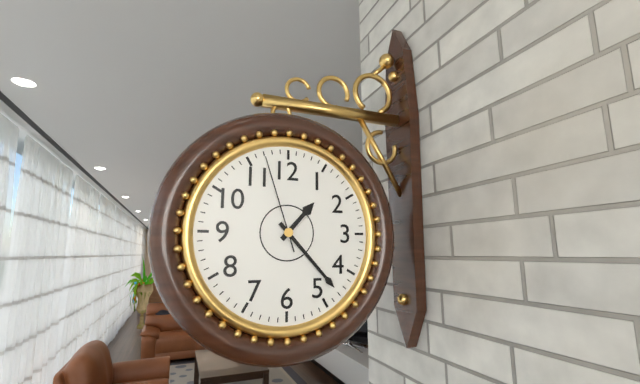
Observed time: 1.23.57
